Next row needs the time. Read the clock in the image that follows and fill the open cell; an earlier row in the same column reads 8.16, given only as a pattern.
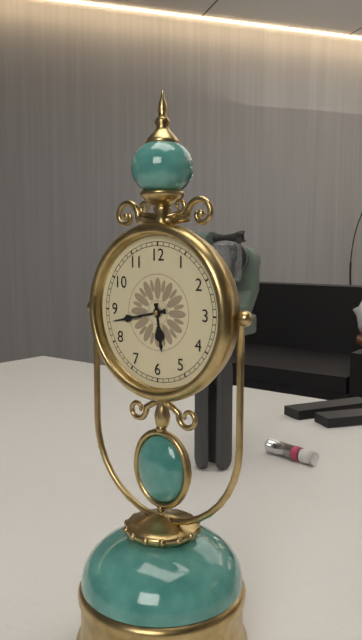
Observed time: 5.43
